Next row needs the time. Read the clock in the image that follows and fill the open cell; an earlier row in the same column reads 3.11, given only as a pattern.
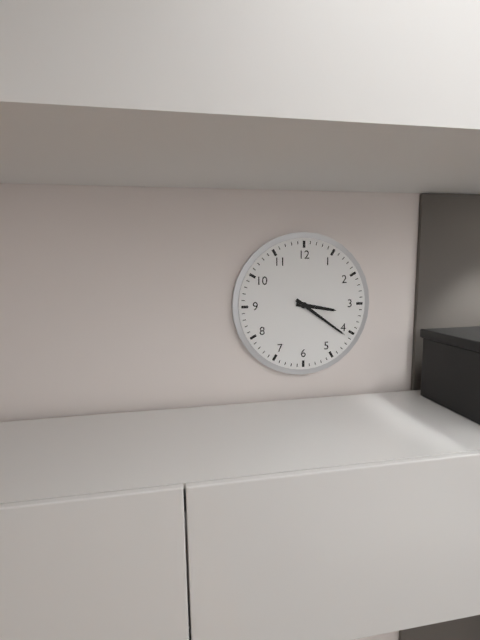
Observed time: 3.21
